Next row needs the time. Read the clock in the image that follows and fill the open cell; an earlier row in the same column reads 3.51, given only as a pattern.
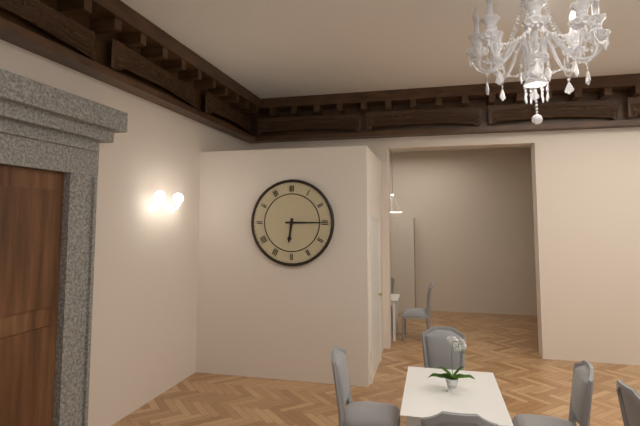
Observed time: 6.15
